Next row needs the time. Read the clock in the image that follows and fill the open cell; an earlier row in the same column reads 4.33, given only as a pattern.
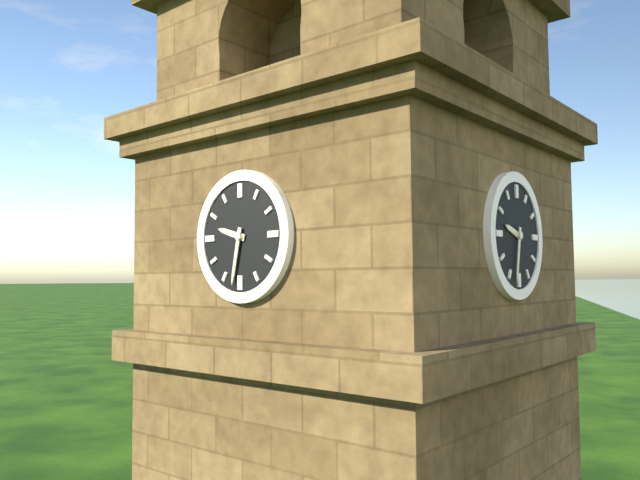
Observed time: 9.32
